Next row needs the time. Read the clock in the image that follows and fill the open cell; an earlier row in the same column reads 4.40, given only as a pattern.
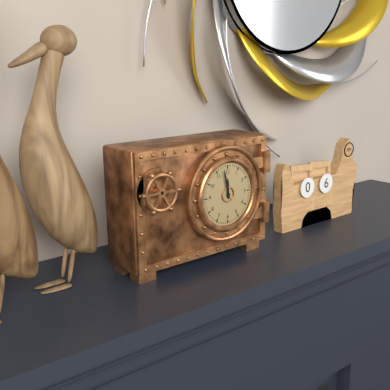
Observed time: 11.58
